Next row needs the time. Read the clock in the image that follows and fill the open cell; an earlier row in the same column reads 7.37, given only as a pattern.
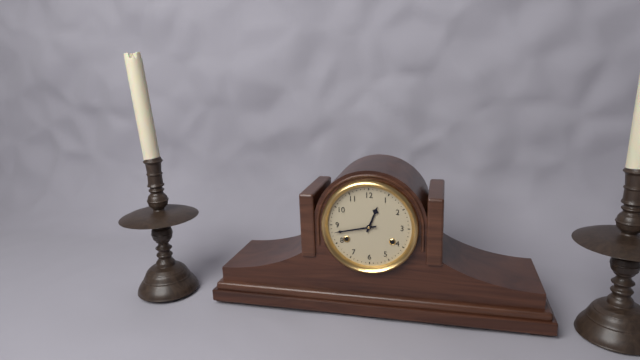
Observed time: 12.43
